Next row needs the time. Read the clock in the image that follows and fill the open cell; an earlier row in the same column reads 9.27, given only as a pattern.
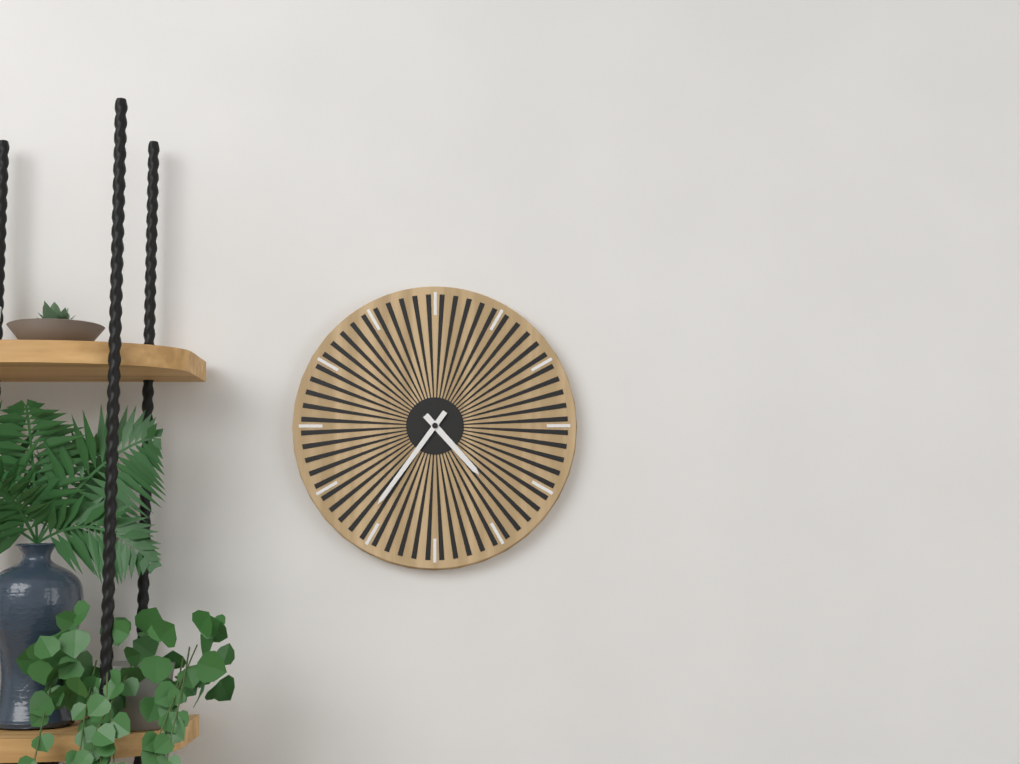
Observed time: 4.36
